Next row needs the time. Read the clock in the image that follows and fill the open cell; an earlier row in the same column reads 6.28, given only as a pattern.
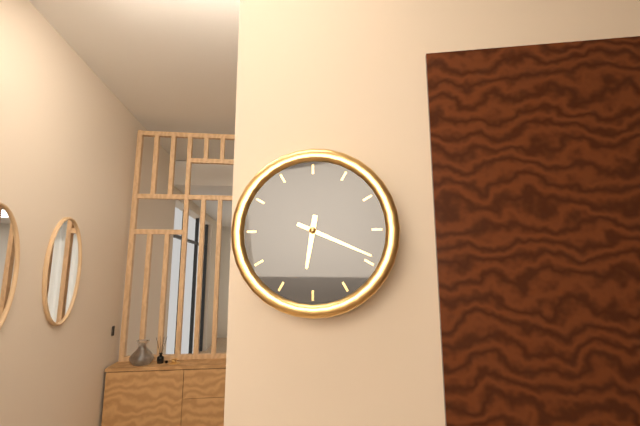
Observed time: 6.19
